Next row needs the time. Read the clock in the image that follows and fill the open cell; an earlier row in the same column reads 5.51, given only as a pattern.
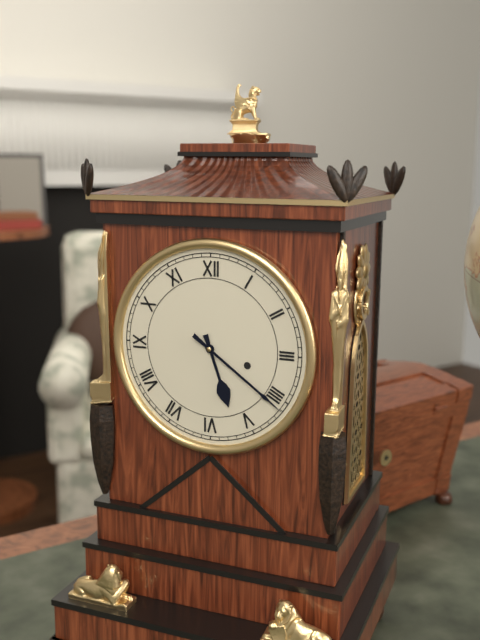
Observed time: 5.21
